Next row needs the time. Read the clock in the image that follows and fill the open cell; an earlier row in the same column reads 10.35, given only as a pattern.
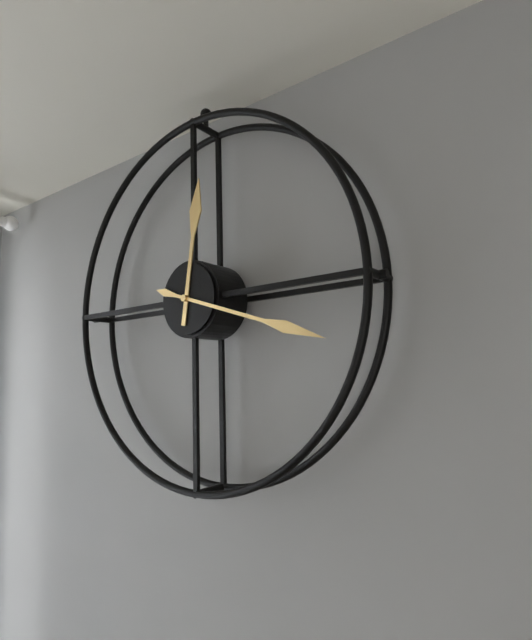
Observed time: 12.18
